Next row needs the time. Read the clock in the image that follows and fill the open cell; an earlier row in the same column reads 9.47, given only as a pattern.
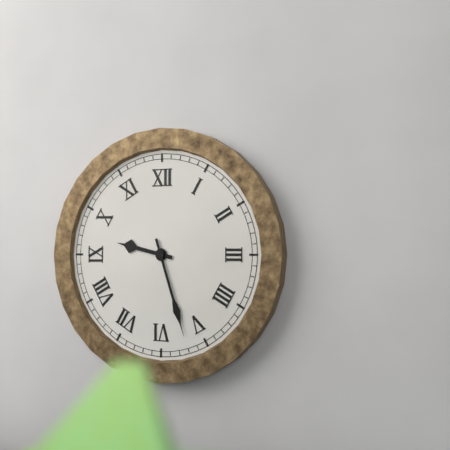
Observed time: 9.27
